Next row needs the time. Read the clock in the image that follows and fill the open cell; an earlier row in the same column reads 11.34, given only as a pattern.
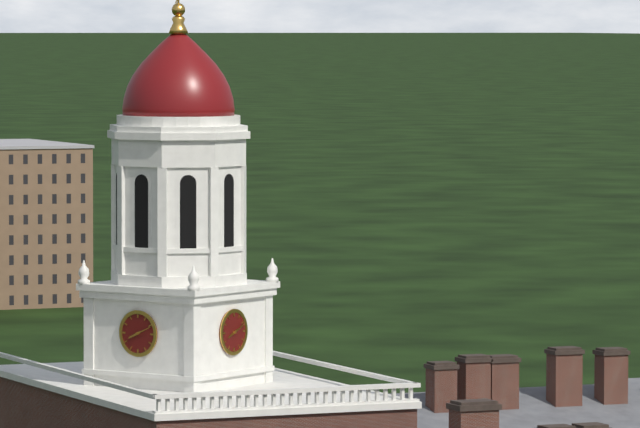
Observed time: 8.11
